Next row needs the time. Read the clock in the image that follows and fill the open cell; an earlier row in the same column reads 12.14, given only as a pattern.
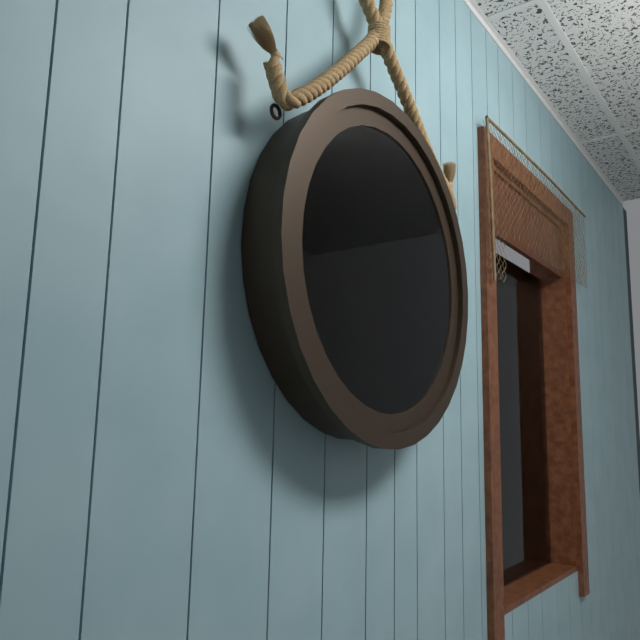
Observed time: 6.56
